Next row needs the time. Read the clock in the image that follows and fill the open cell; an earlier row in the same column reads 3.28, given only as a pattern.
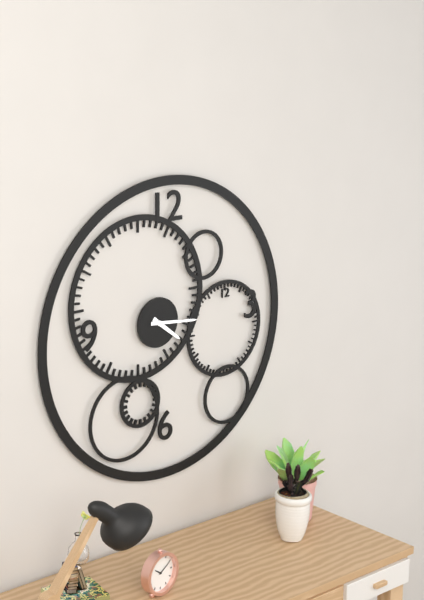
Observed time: 4.16
